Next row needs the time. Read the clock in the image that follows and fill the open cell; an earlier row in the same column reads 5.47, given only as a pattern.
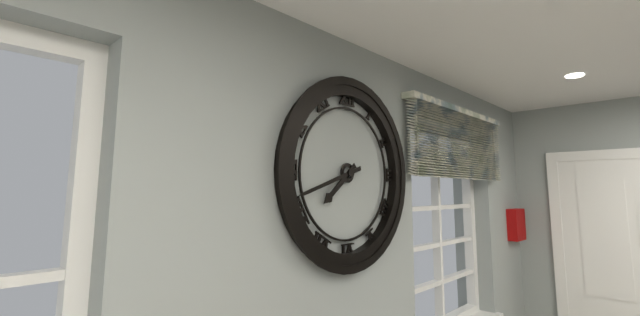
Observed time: 7.42
